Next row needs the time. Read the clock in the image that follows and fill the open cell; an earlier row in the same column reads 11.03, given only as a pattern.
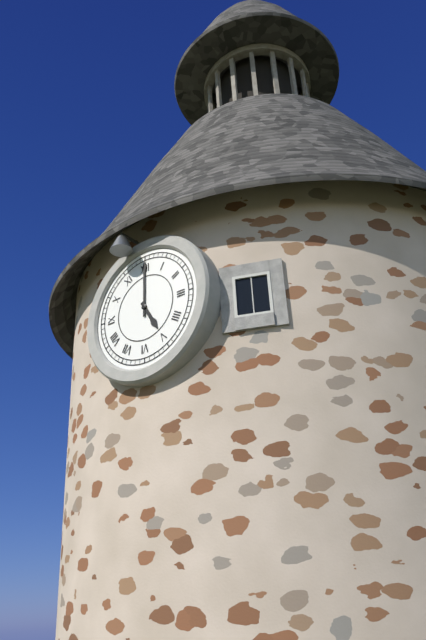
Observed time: 5.00
